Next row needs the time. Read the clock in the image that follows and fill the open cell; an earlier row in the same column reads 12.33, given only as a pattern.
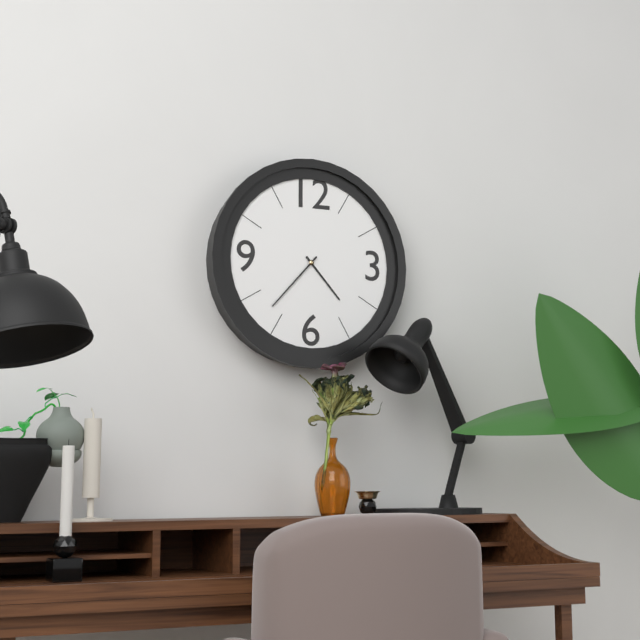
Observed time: 4.37
